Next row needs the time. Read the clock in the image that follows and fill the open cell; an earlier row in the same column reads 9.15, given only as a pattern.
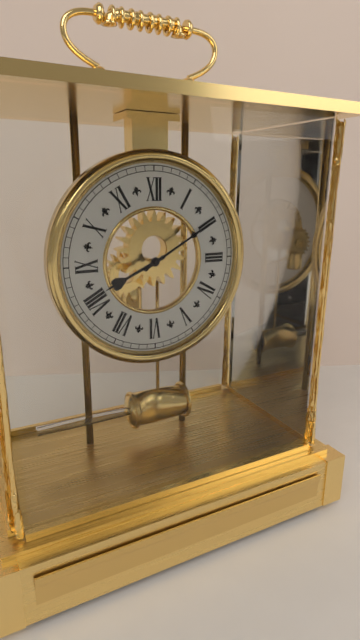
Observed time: 8.10
